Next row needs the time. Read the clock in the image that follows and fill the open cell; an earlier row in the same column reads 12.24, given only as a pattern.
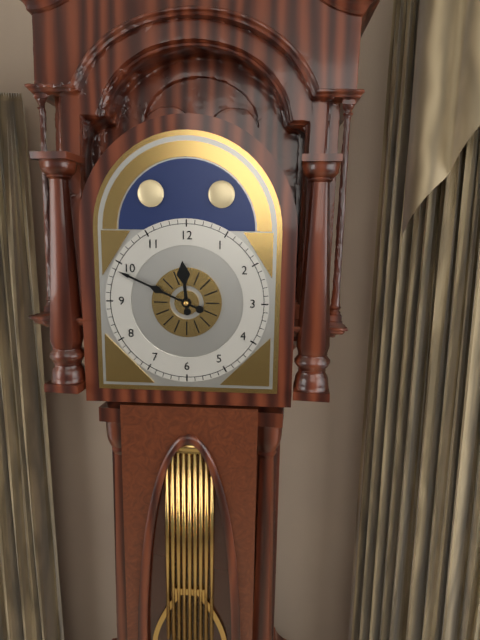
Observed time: 11.49
